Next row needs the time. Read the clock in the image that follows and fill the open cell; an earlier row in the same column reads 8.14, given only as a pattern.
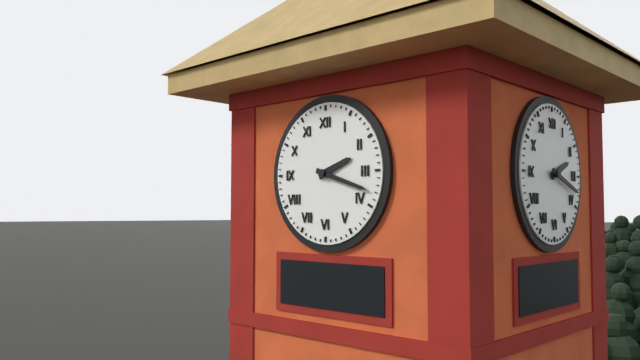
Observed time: 2.18
